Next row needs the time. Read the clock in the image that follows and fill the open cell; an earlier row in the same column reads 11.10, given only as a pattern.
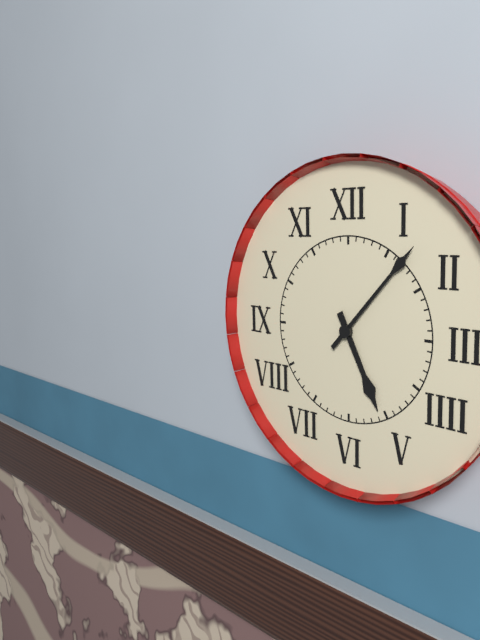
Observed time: 5.07
